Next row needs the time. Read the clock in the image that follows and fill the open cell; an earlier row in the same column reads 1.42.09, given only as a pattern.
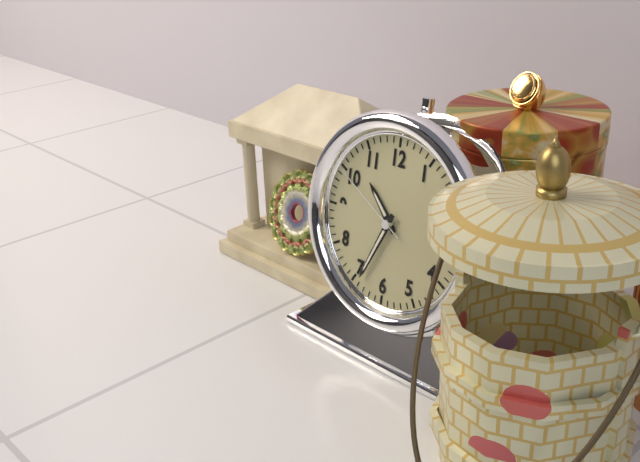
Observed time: 10.34.50
